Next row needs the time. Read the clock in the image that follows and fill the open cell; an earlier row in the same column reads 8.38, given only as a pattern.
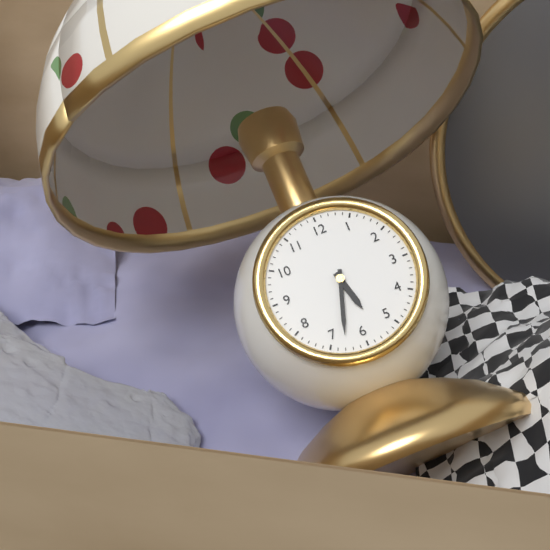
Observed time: 5.33
